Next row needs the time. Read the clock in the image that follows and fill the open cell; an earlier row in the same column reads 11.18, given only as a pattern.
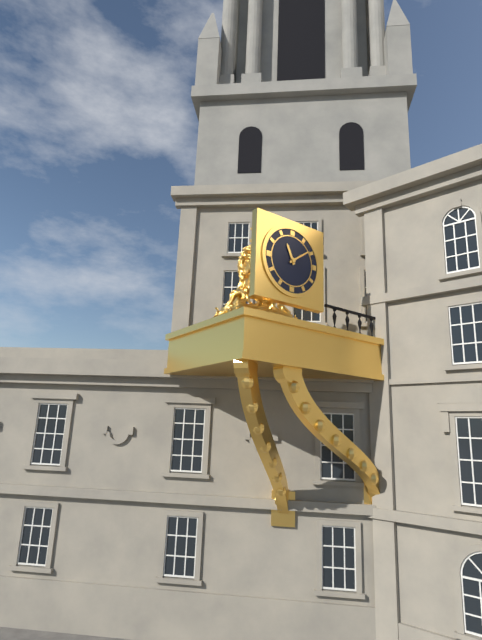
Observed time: 11.09
